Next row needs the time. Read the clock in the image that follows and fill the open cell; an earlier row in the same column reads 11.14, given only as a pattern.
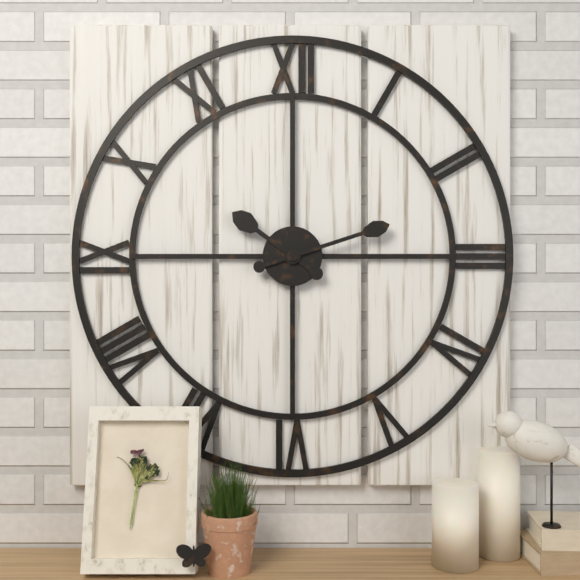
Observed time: 10.12
